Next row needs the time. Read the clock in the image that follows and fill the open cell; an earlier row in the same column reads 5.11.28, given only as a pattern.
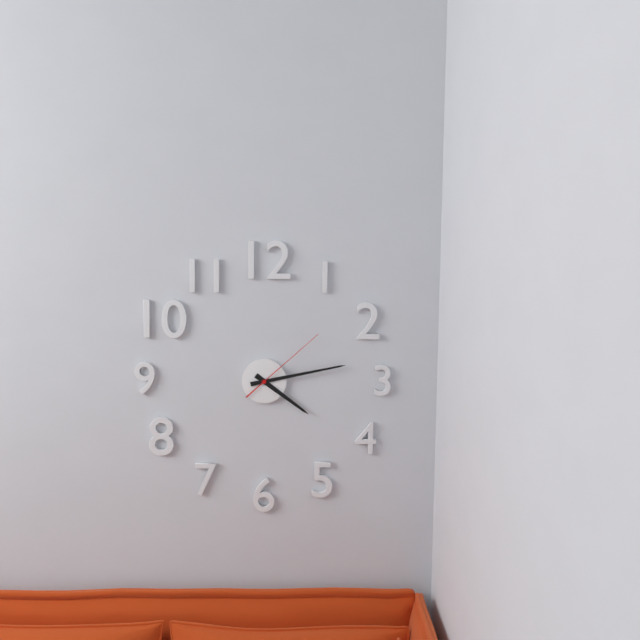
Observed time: 4.13.08
